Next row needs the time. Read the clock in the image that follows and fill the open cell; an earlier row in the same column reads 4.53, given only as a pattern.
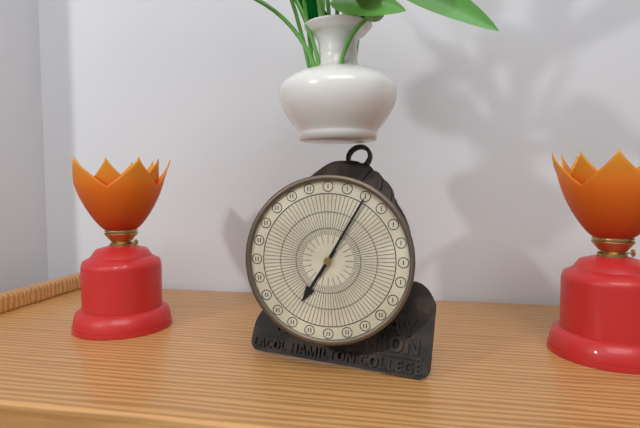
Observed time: 7.05
